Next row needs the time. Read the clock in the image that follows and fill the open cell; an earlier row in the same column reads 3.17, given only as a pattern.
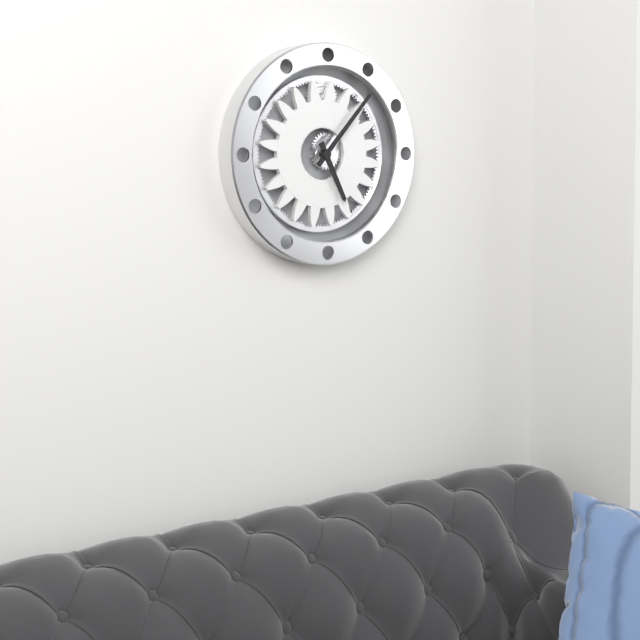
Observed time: 5.07
